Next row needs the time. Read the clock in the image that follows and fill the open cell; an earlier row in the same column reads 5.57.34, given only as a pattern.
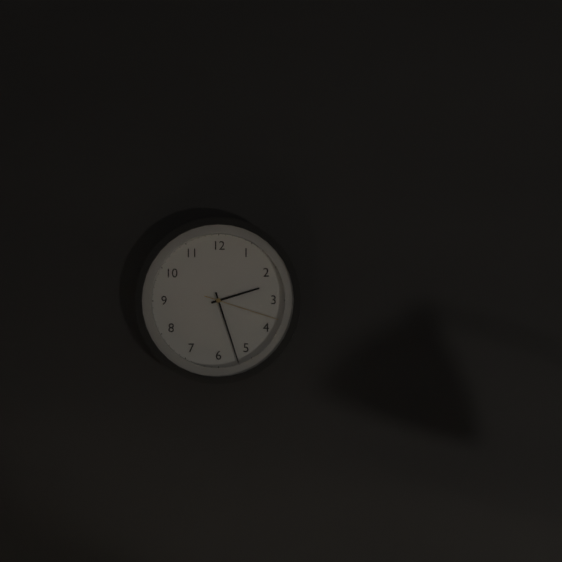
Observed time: 2.27.18
